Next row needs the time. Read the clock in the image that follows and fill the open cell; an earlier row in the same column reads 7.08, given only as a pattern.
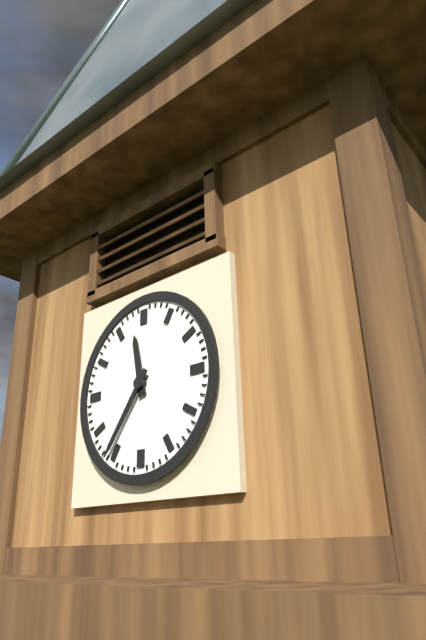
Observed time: 11.36
